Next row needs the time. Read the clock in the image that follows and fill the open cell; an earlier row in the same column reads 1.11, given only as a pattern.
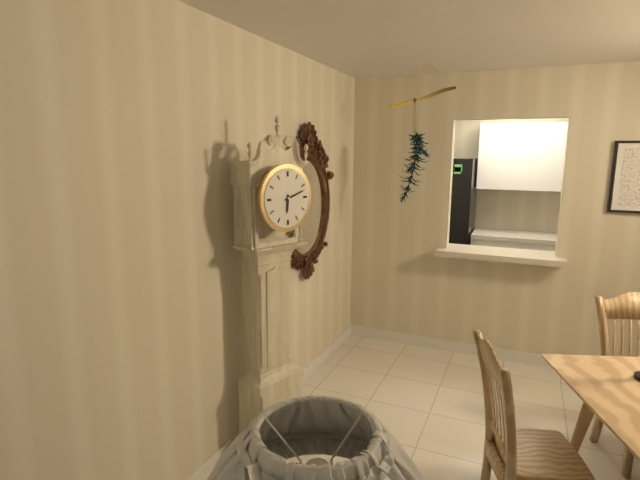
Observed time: 6.12
